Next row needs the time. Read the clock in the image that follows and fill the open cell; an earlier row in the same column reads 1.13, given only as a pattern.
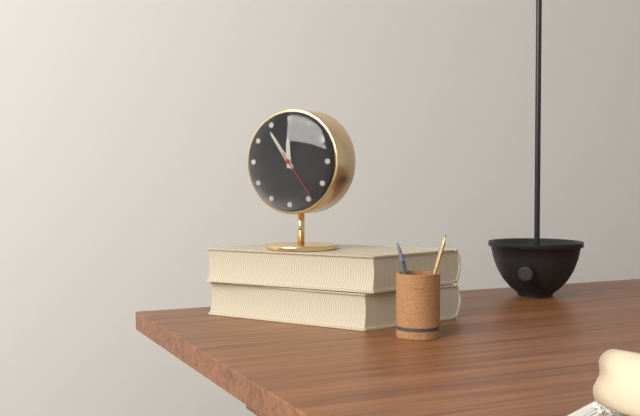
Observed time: 11.54
